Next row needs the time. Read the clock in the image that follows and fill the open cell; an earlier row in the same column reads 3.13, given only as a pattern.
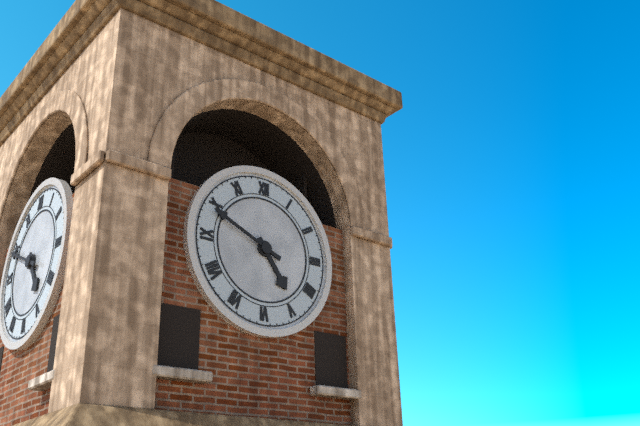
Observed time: 4.49
